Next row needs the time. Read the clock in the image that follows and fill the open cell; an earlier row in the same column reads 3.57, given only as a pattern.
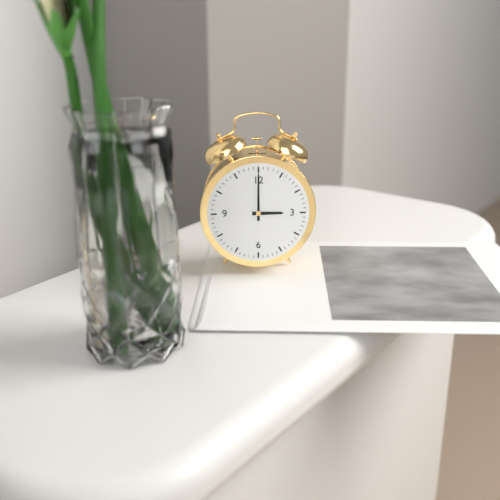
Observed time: 3.00
